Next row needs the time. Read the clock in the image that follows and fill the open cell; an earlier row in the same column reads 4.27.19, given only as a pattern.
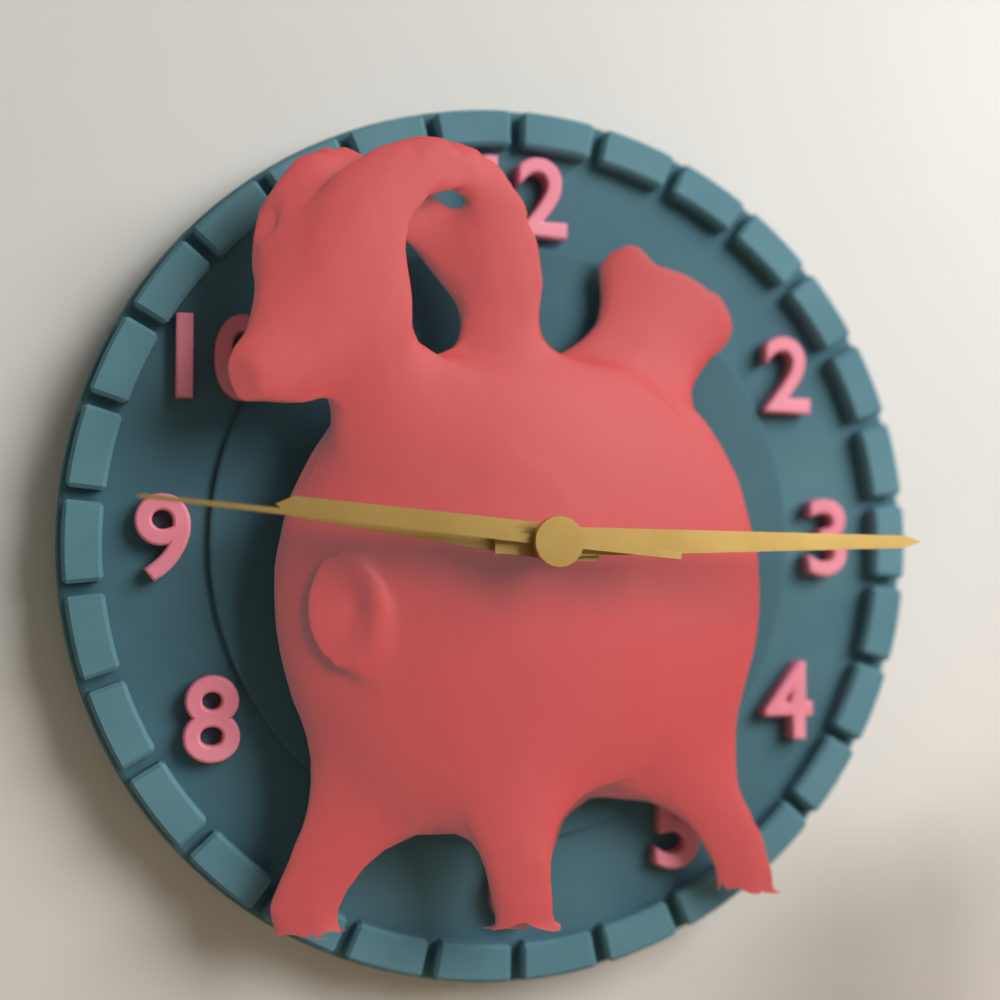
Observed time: 9.15.46
